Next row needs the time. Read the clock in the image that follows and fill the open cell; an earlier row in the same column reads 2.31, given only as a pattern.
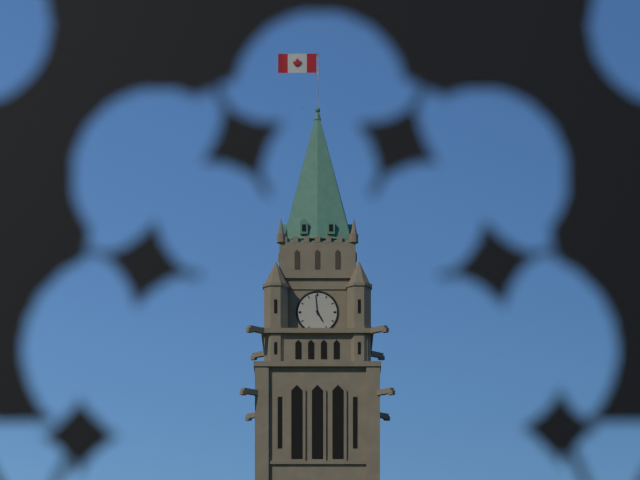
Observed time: 4.59
